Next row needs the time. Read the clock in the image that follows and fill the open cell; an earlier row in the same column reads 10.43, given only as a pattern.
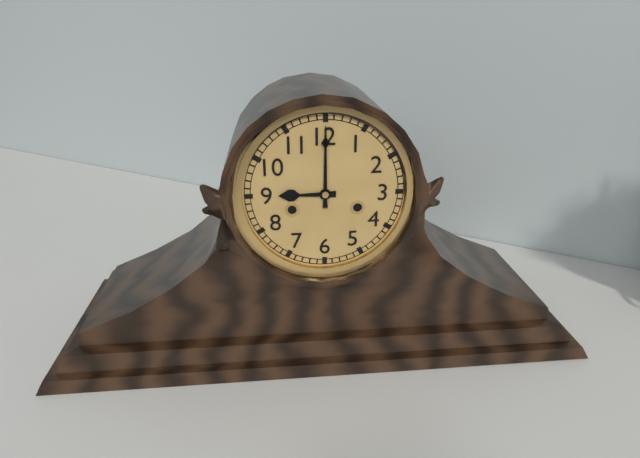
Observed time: 9.00
